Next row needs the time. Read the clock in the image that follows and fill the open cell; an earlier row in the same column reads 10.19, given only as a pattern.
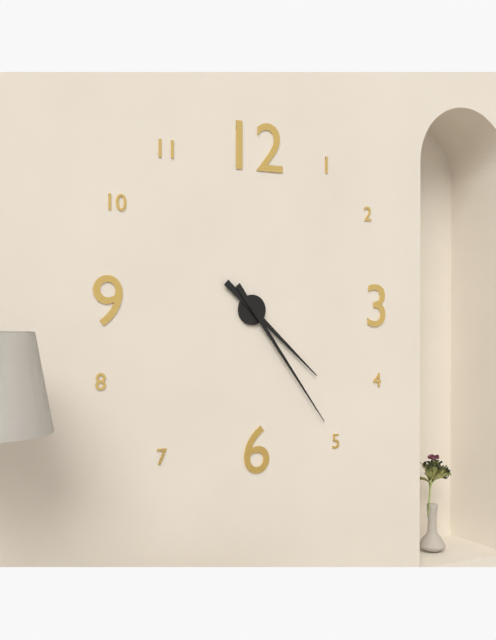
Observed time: 4.24
